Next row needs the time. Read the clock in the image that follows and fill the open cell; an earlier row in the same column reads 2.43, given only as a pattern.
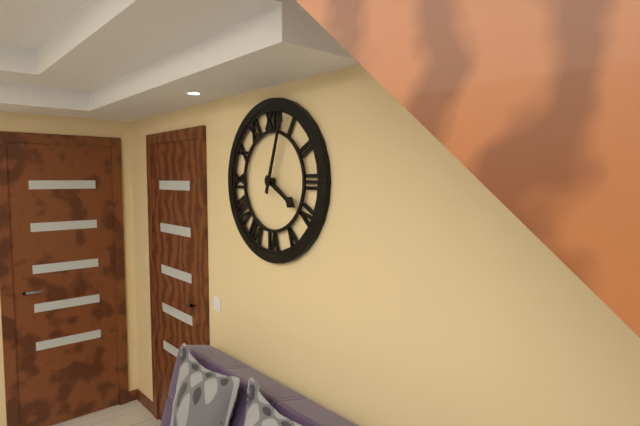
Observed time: 4.03
